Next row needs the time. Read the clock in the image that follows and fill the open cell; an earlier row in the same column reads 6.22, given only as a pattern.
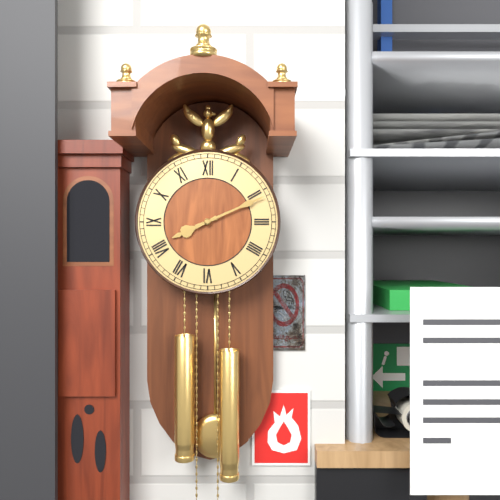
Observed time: 8.11
